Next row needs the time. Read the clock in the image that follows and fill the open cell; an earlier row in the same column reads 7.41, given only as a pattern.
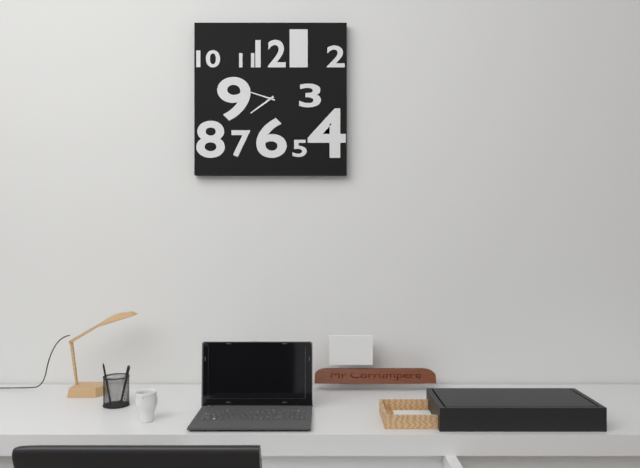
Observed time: 7.48
